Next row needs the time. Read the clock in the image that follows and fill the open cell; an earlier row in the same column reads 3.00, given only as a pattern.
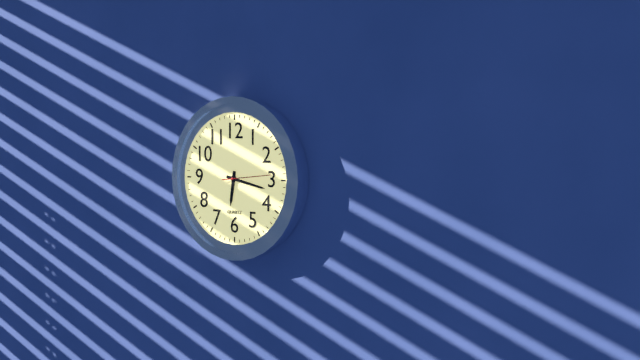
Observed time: 6.17
